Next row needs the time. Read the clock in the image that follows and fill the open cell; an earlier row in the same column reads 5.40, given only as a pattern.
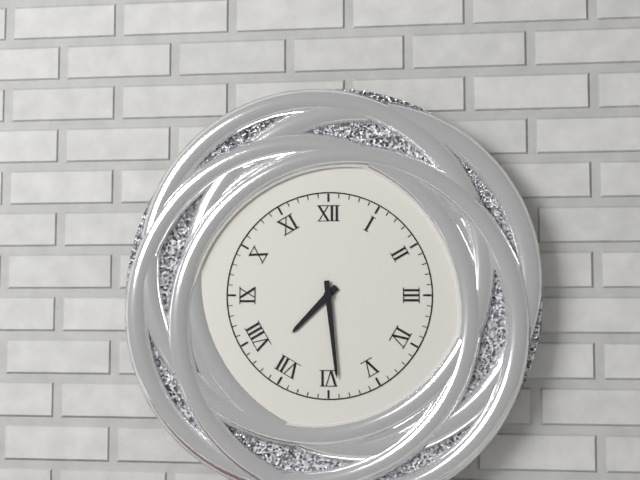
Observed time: 7.29
